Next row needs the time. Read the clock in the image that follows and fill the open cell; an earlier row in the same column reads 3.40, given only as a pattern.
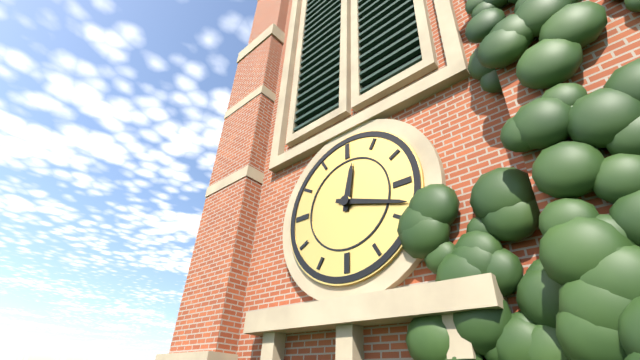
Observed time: 12.18
